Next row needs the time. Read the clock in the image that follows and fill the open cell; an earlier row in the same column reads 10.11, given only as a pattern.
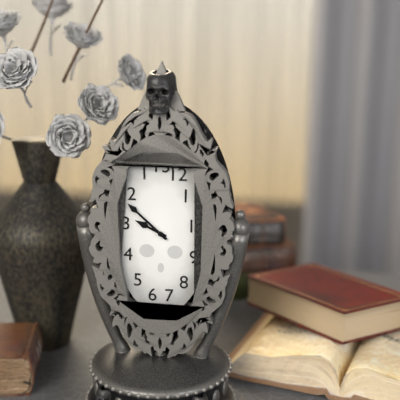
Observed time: 9.52
